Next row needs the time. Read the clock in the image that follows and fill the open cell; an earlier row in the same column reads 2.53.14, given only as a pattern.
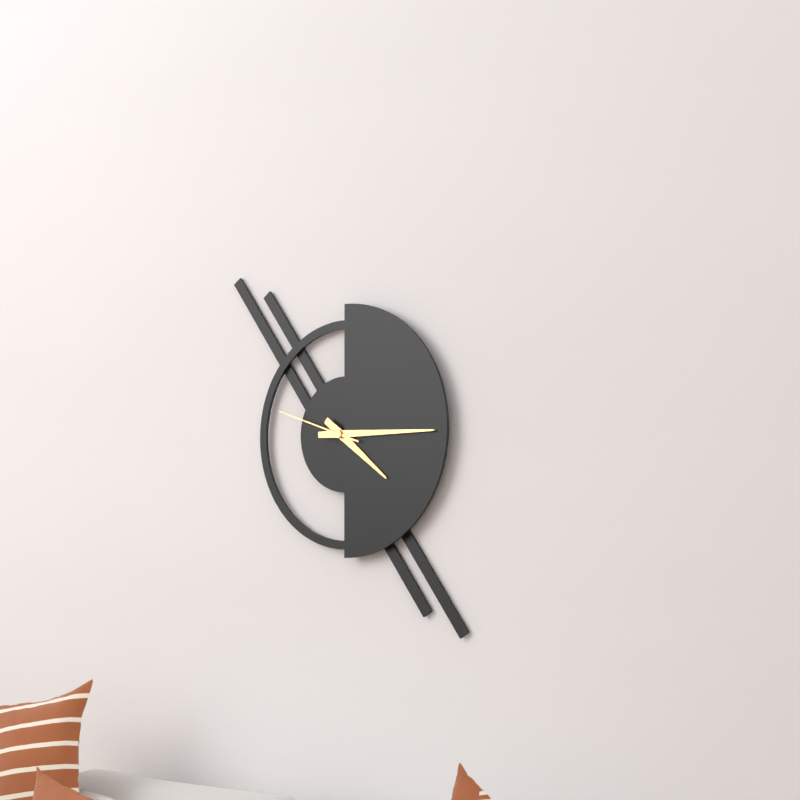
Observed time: 4.15.48
